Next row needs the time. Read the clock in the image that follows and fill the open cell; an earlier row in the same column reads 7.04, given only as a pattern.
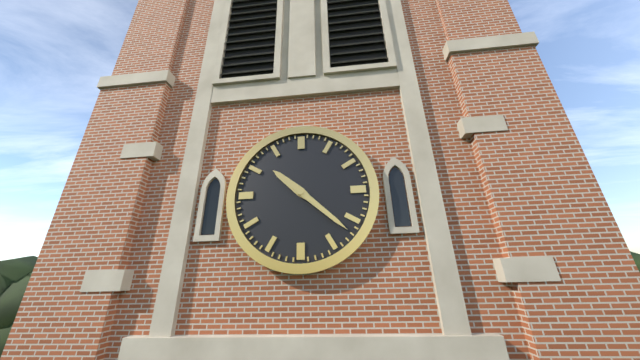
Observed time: 10.22
